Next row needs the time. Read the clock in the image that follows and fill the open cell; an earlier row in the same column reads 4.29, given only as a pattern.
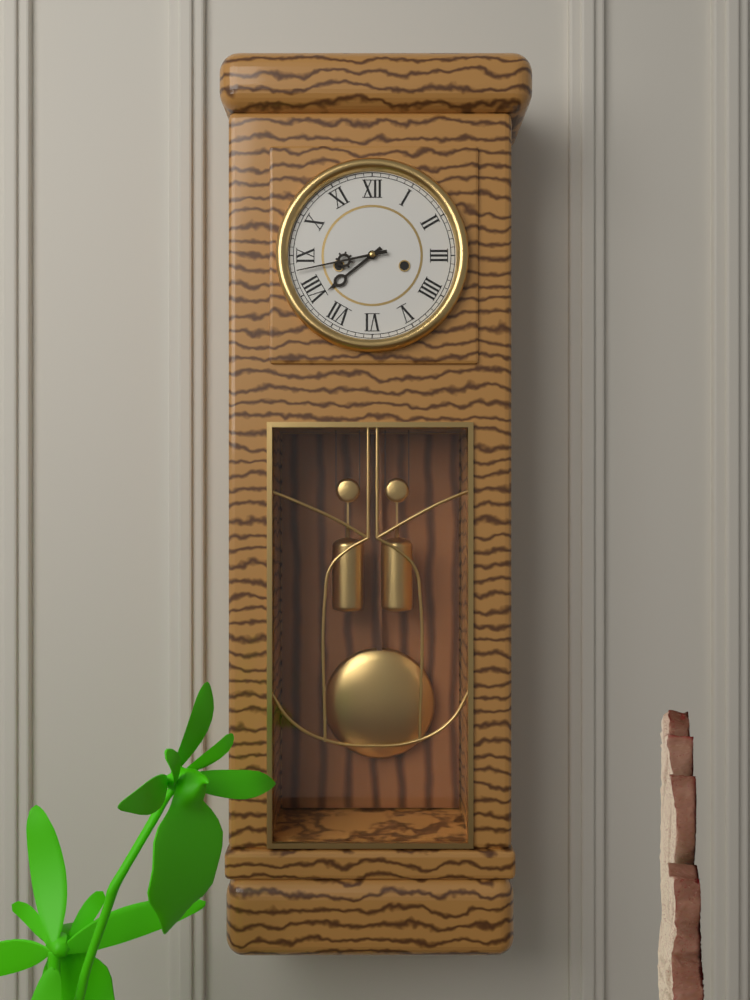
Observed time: 7.43
